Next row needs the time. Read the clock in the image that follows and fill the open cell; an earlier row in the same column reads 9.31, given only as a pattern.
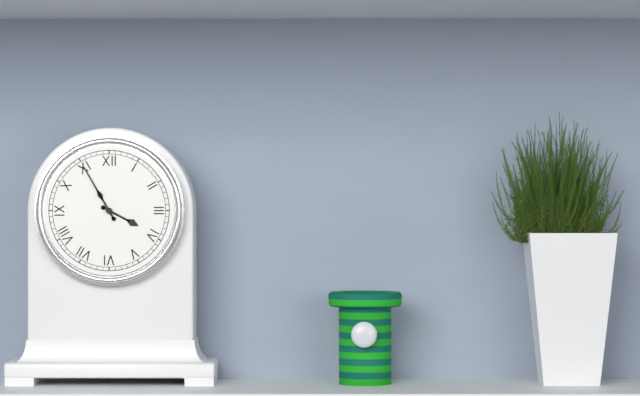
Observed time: 3.55
